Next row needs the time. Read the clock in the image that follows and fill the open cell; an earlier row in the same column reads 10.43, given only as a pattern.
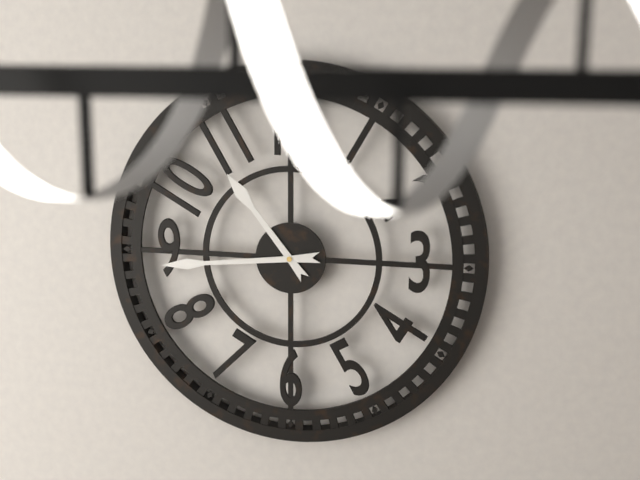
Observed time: 10.44
